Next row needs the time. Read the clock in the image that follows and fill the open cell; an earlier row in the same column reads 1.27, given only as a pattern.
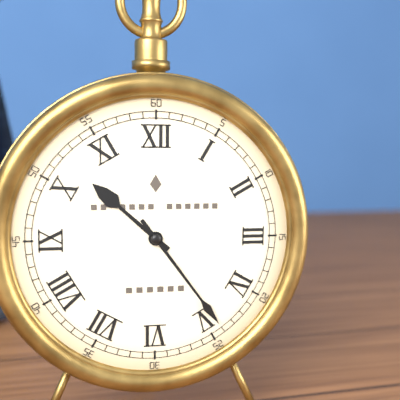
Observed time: 10.24
